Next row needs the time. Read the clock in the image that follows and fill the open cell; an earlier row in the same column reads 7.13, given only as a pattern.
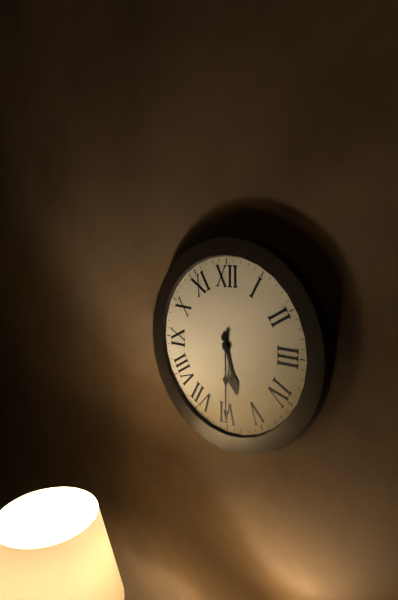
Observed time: 5.30
